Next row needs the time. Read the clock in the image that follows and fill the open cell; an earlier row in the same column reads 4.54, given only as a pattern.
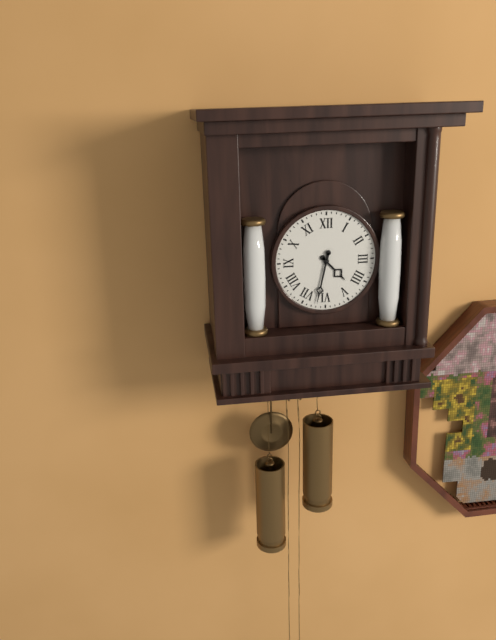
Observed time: 4.32
